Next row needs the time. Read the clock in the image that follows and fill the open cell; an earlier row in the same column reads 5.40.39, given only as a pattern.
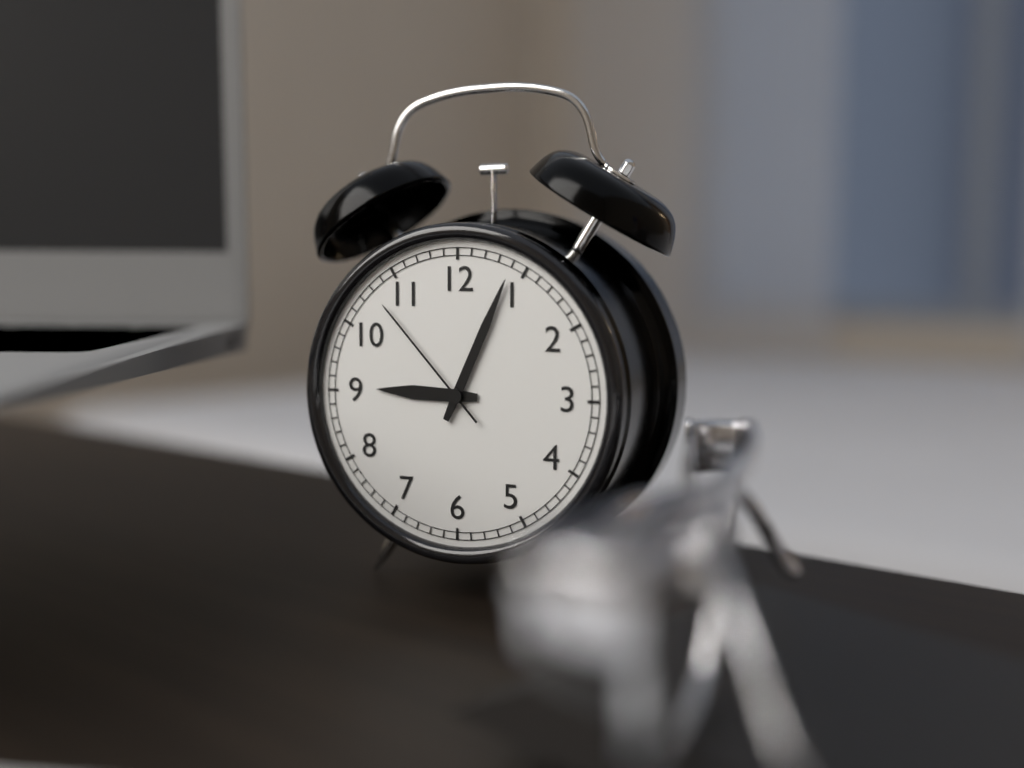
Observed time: 9.04.53
